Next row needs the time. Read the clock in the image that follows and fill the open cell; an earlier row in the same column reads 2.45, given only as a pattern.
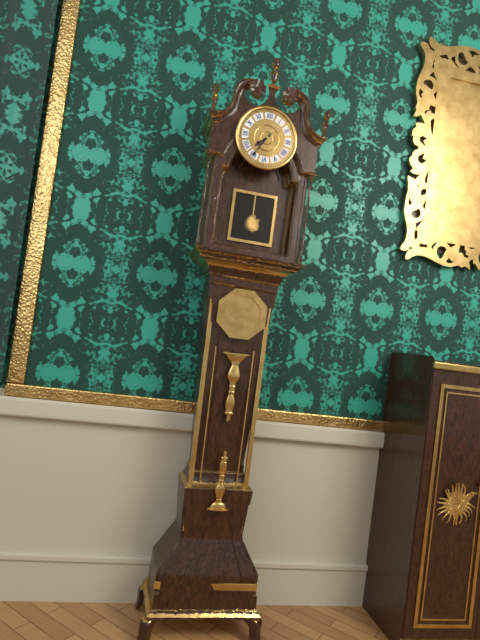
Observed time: 7.35
